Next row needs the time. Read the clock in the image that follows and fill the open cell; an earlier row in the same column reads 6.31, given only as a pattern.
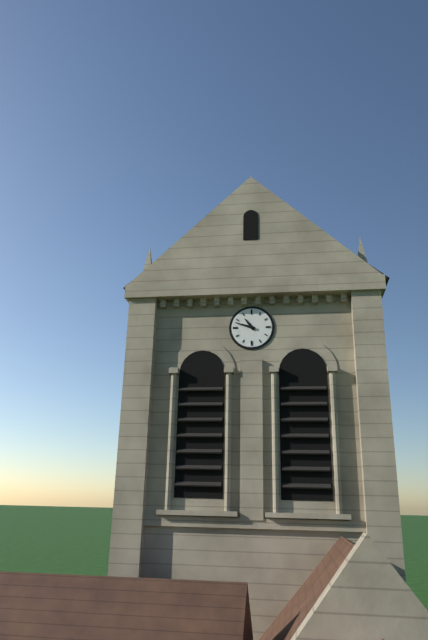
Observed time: 10.48
